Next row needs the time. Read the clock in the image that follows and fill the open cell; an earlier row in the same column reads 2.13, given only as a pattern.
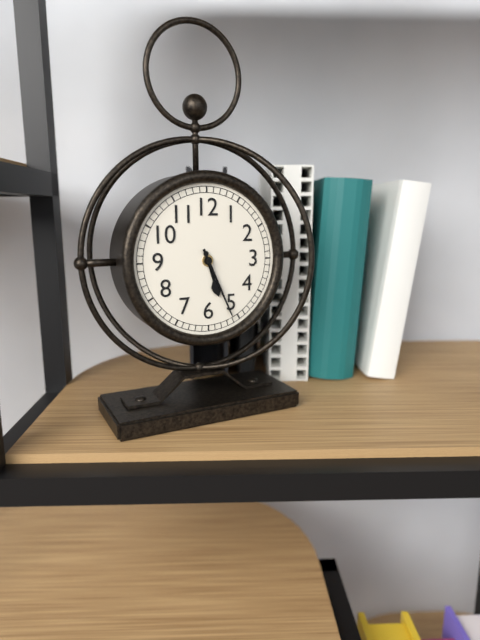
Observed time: 5.26
